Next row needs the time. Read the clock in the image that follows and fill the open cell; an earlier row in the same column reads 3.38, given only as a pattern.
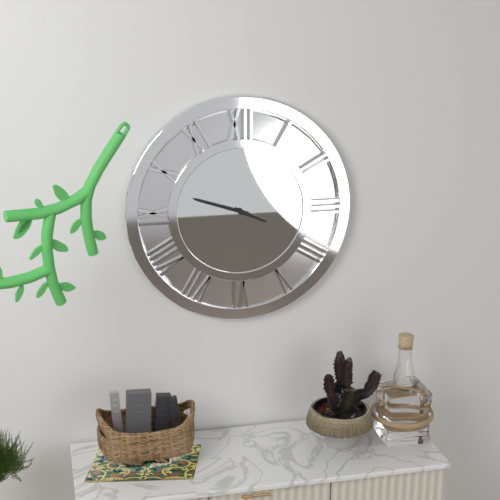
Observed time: 3.48
